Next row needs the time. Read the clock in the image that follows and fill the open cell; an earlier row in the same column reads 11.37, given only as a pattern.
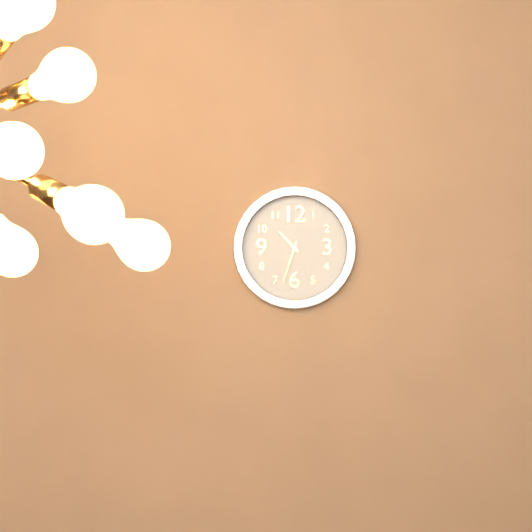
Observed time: 10.33
